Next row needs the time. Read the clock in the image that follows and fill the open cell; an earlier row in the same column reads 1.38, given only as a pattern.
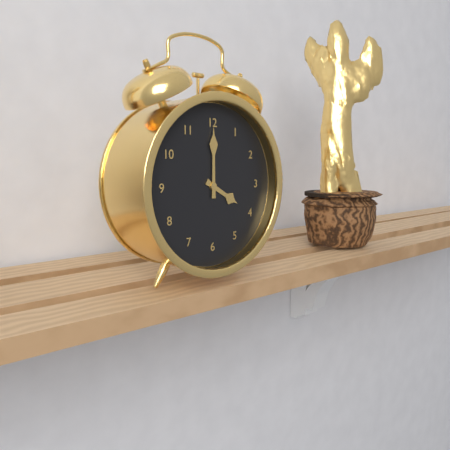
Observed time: 4.00
